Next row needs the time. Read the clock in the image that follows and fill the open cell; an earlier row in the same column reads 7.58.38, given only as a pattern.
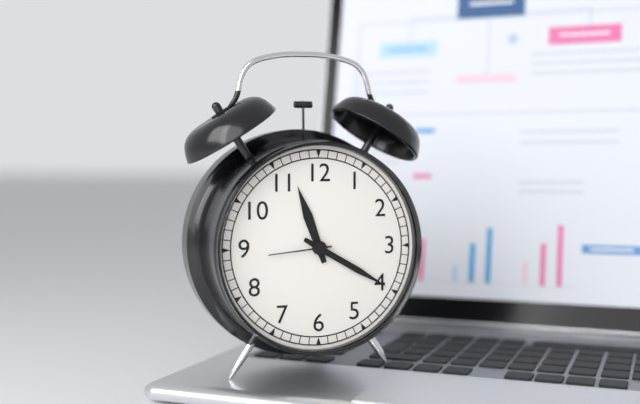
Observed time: 11.20.44
